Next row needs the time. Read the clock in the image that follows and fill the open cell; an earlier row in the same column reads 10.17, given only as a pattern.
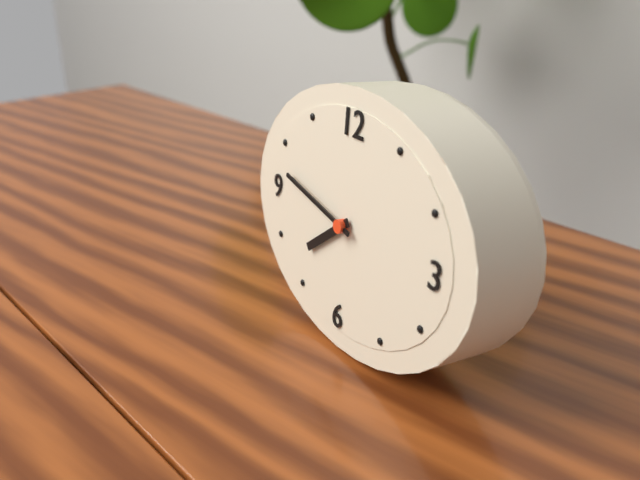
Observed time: 7.47
